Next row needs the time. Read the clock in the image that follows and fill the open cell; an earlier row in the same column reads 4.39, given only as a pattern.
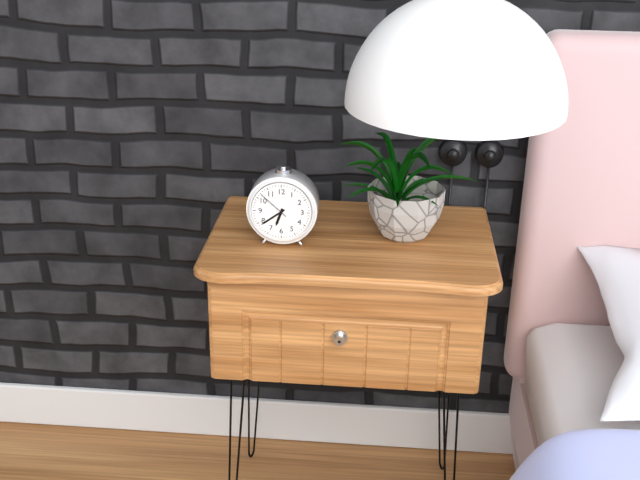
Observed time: 6.39
